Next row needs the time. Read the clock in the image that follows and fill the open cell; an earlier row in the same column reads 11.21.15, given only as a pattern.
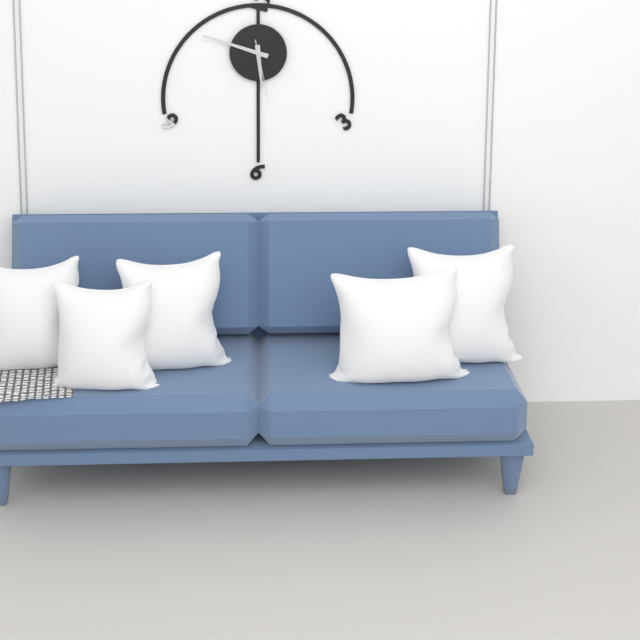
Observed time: 5.48.28
